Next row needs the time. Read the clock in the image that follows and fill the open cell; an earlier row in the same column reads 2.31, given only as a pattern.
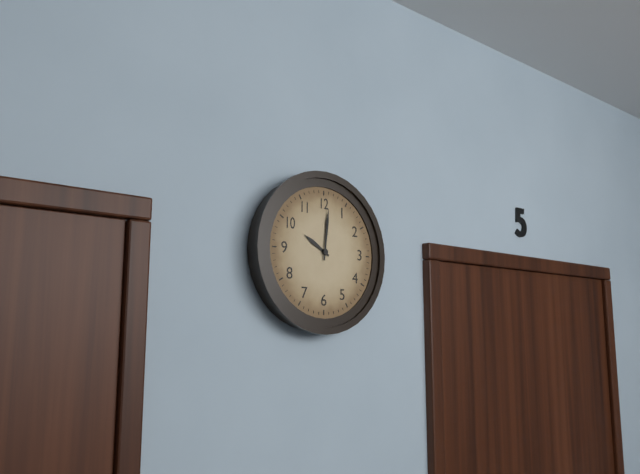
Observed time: 10.01
